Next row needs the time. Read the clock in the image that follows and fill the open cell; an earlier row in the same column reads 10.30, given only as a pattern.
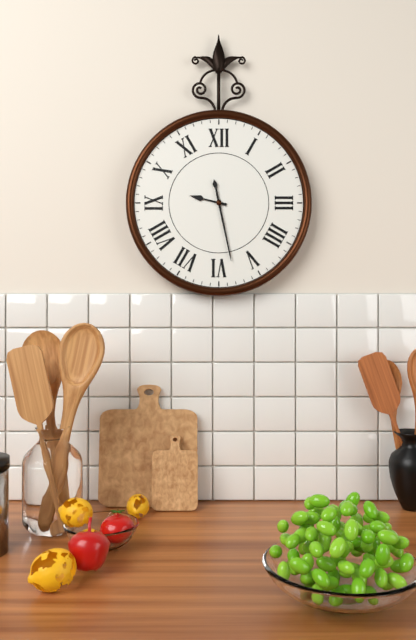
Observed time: 9.28
